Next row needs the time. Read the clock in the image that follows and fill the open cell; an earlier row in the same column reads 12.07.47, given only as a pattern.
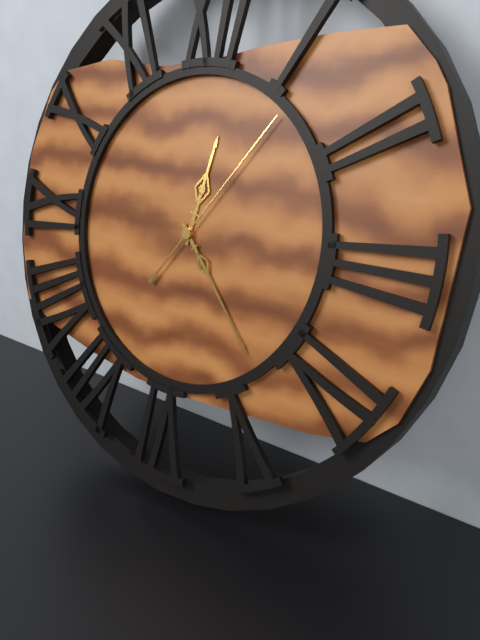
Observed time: 12.23.06
